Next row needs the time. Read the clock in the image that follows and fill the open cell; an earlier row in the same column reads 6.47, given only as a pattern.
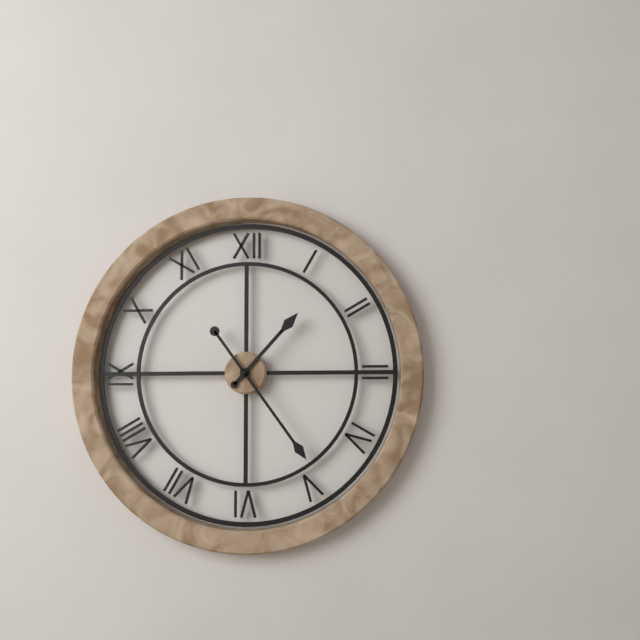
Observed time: 1.24
